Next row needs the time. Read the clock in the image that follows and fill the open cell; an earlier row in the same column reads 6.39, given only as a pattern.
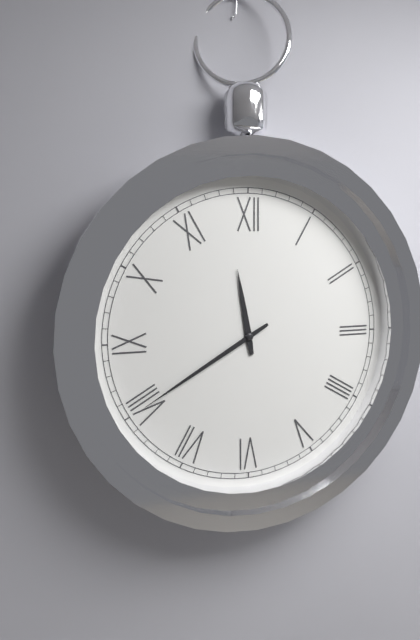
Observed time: 11.40
